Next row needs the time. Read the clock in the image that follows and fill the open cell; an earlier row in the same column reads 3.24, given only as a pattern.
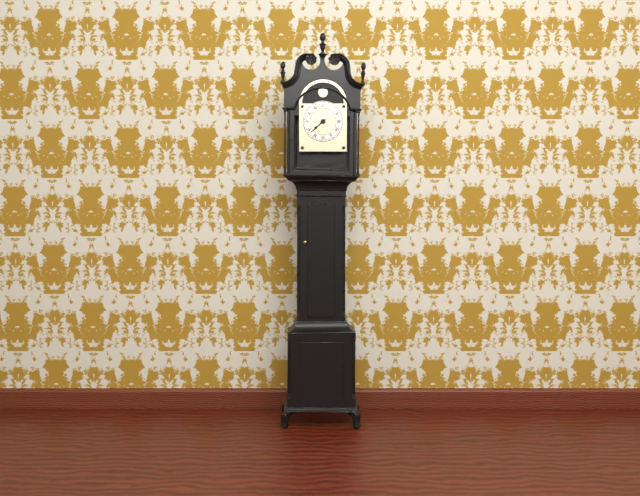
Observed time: 7.38
